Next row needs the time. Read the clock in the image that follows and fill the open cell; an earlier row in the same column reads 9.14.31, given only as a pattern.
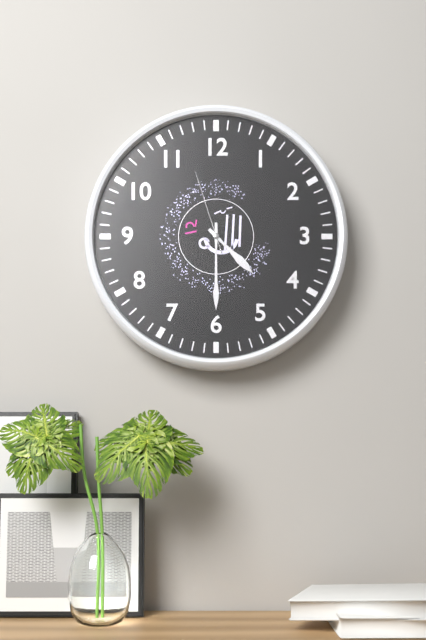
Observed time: 4.30.57
